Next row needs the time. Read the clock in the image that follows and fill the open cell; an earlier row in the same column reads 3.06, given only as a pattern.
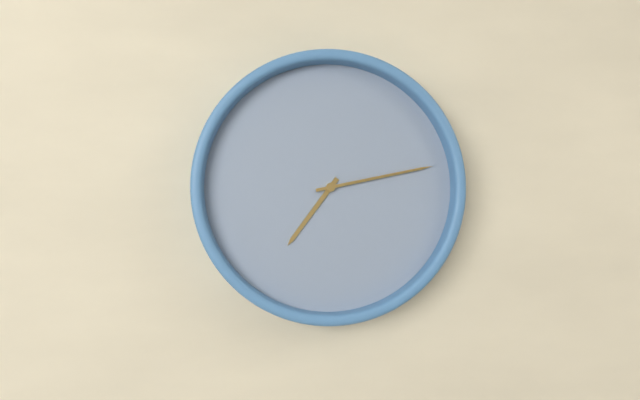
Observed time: 7.13
